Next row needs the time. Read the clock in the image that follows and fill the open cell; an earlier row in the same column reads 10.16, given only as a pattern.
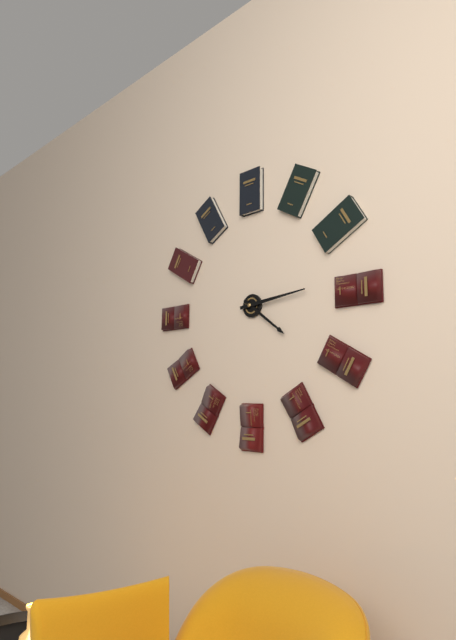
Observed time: 4.14
